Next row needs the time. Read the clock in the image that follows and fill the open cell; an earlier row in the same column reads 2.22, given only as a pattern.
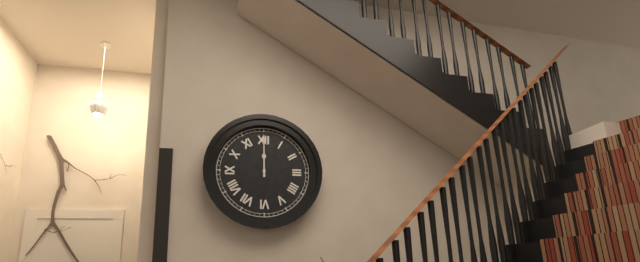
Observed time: 12.00
